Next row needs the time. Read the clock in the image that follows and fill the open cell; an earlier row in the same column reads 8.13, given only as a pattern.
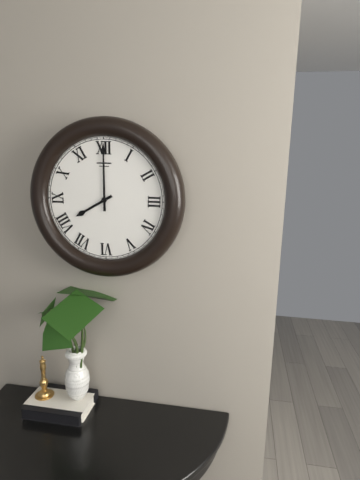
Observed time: 8.00
